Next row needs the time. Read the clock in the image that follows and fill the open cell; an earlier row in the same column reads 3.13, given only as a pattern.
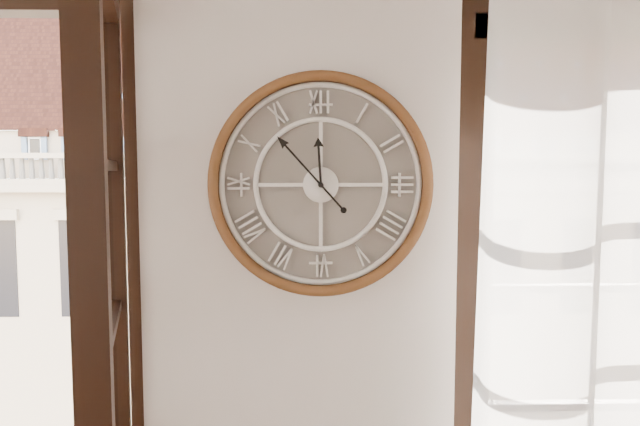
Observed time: 11.53
